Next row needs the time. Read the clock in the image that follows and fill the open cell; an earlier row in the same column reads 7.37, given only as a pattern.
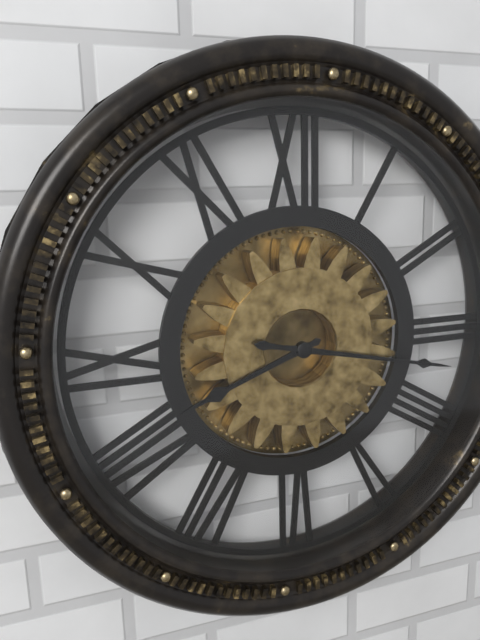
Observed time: 8.17
